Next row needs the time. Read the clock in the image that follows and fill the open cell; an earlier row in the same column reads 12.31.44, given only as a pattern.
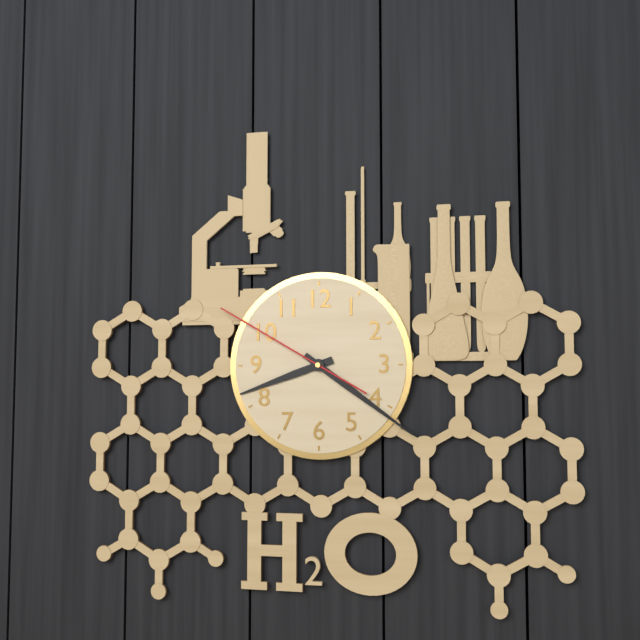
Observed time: 8.21.50
